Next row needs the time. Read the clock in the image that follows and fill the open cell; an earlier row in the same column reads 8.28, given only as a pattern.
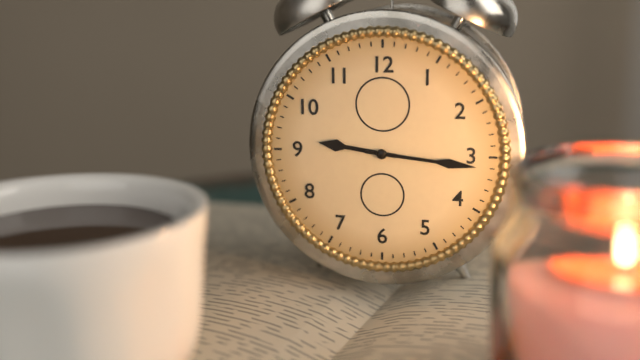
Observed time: 9.16
